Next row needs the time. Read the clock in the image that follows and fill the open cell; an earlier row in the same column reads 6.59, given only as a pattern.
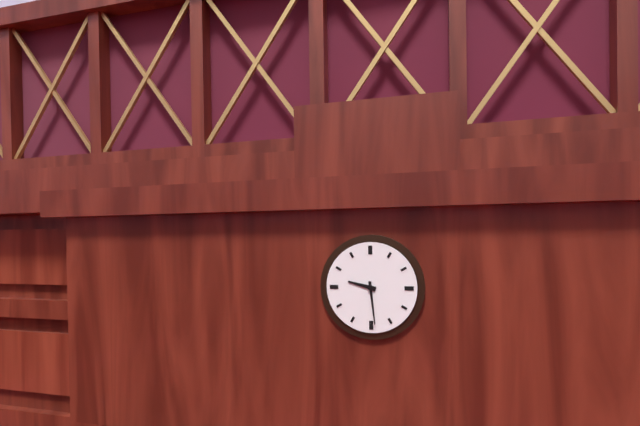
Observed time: 9.29
